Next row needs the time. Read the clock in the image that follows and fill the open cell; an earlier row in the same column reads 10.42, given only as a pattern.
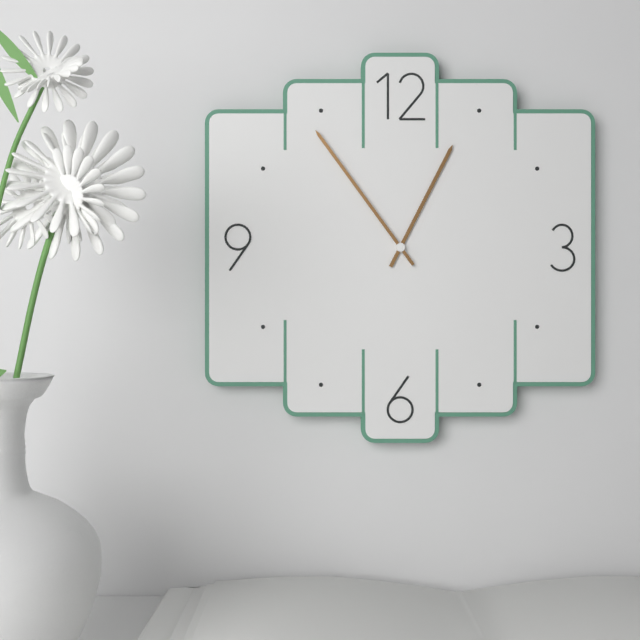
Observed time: 12.54
